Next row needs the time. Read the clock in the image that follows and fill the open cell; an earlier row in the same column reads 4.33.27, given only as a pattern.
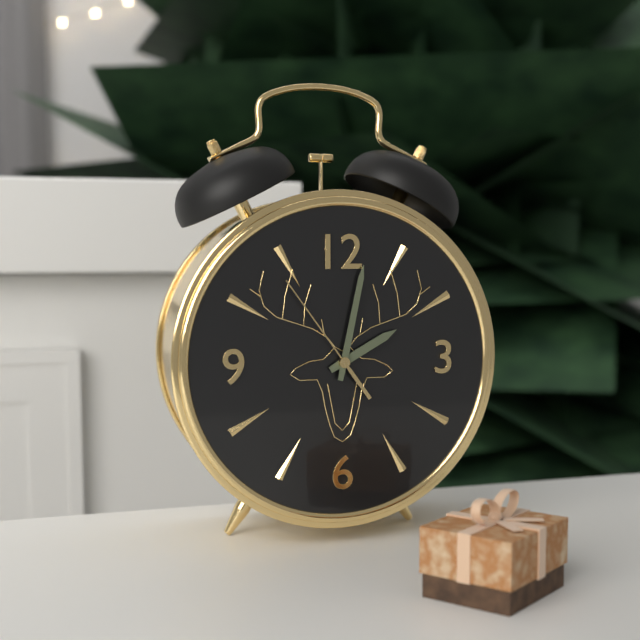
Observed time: 2.02.54
